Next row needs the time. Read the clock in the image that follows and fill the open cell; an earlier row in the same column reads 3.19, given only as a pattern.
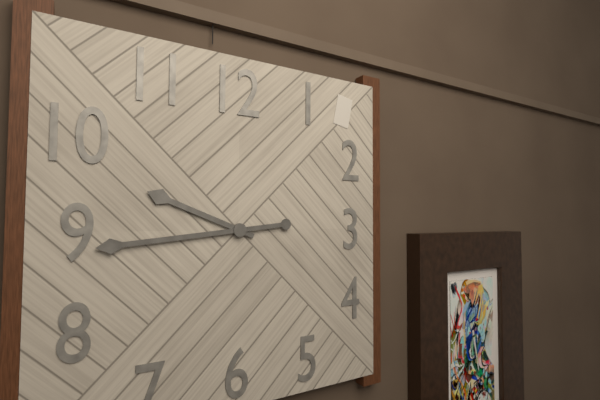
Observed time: 9.44
